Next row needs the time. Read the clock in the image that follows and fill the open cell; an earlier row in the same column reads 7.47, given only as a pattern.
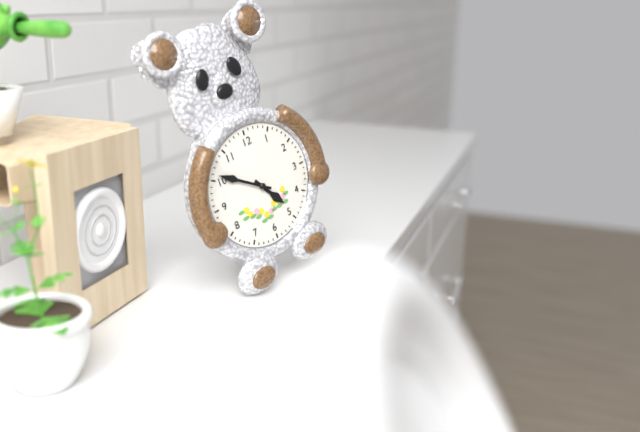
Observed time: 4.51
